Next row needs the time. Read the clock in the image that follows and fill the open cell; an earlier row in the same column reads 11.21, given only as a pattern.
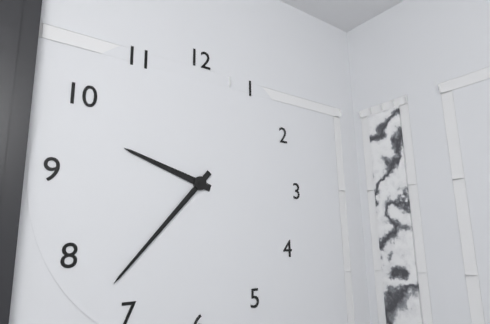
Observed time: 9.37
